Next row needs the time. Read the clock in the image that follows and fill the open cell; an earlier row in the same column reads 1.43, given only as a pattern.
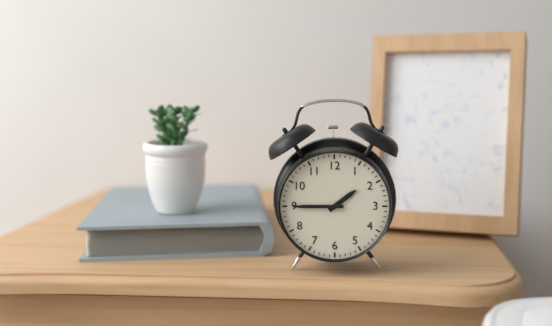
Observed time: 1.45
